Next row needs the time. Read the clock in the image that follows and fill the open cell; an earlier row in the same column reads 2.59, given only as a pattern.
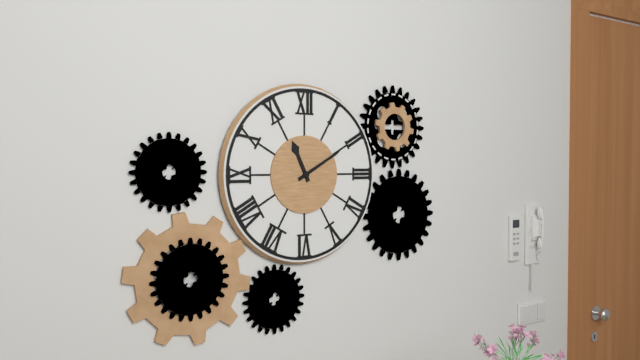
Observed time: 11.10
